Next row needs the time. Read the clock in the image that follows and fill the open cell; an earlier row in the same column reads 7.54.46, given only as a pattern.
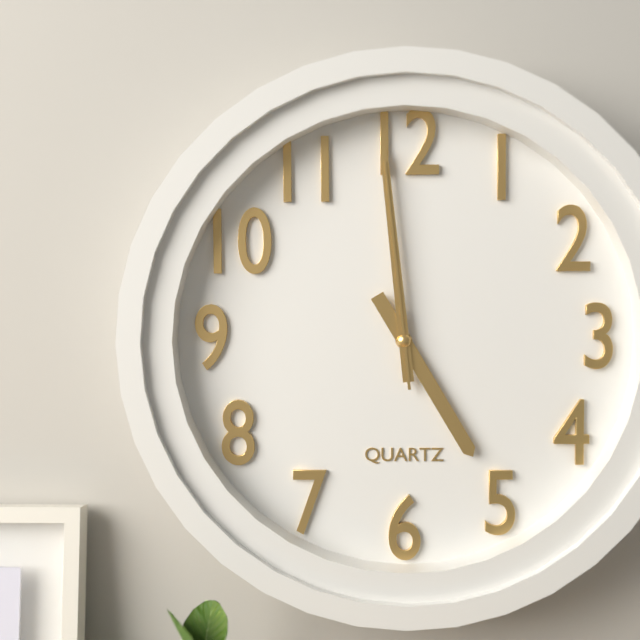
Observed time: 4.59.59
